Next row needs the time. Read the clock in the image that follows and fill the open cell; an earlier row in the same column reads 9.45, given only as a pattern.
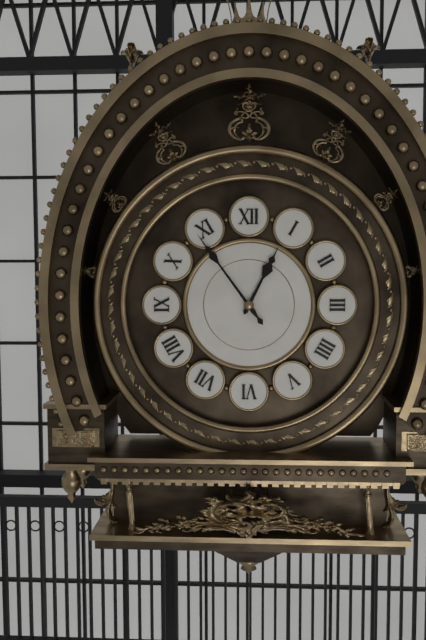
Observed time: 12.54
